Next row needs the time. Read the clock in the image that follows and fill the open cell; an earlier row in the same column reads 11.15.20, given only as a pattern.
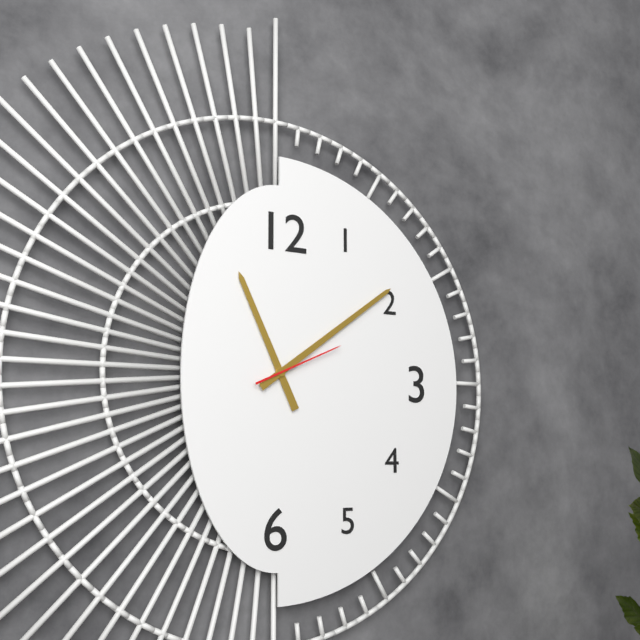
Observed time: 11.09.11
